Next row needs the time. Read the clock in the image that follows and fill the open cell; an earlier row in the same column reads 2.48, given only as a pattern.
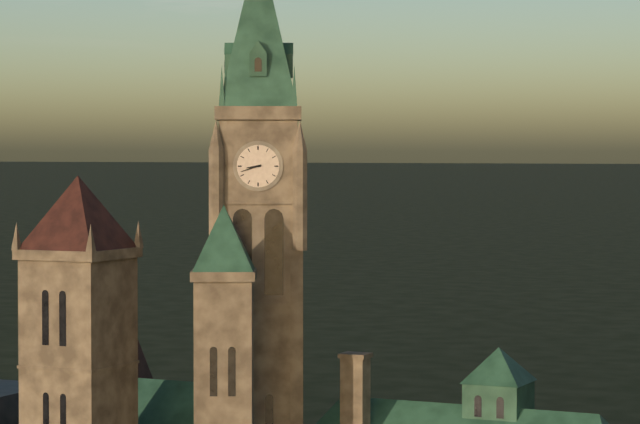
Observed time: 8.42
